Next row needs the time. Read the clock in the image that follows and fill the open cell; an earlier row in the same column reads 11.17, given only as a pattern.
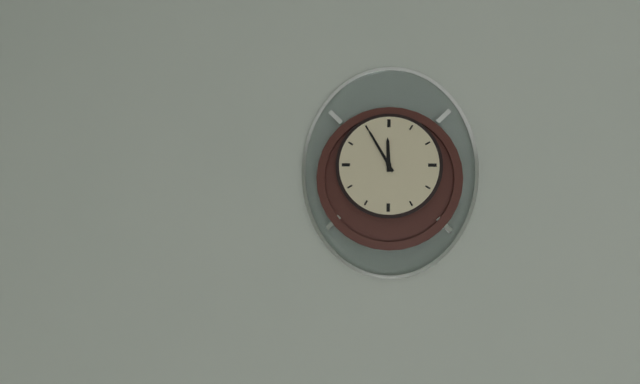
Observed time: 11.55
